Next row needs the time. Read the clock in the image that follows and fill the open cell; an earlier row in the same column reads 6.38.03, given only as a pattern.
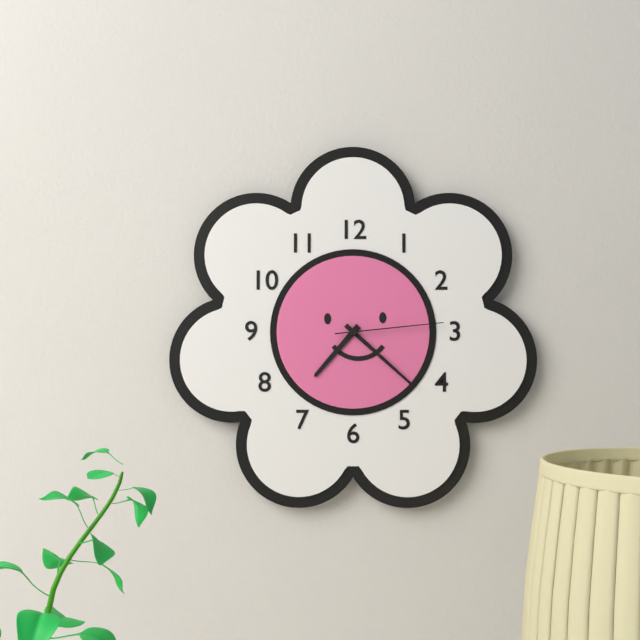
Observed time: 7.22.14
